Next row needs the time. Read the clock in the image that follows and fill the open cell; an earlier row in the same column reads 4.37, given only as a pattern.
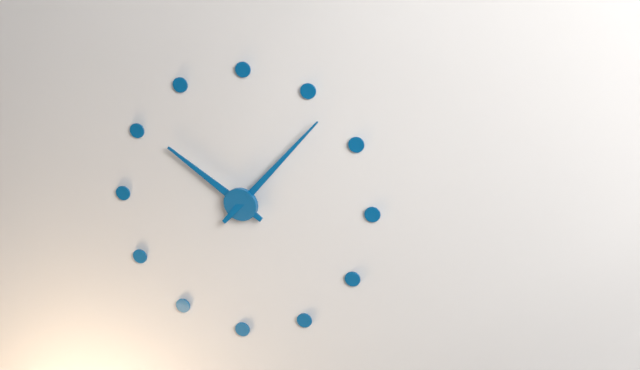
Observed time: 10.07
